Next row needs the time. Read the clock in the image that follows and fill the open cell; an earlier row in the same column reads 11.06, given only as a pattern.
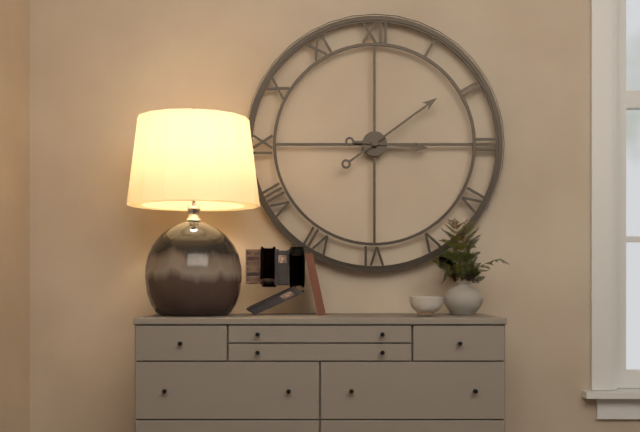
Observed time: 3.09
